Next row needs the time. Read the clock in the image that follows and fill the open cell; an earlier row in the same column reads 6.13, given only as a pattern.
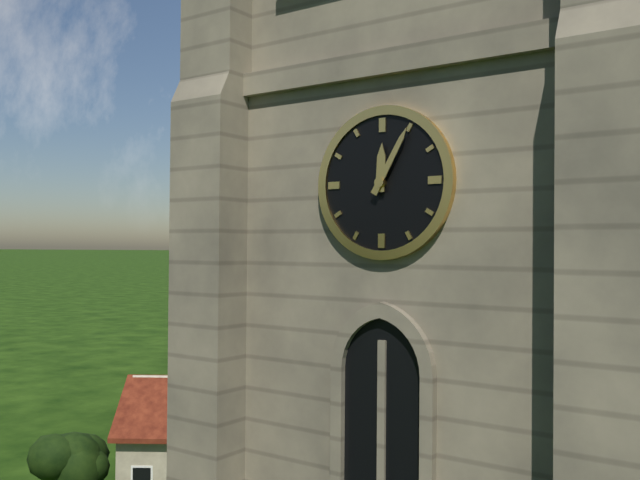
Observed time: 12.05
